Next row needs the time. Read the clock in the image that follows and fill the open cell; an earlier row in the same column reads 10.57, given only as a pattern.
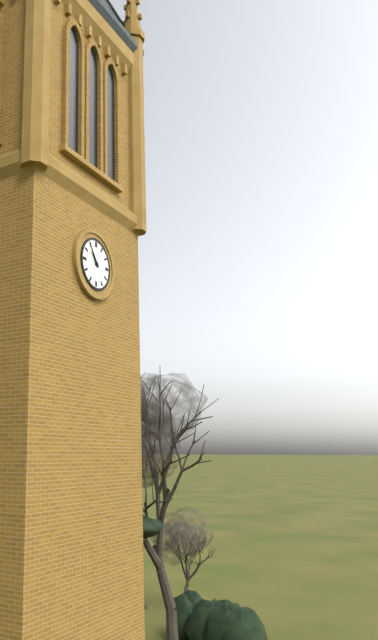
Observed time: 10.54
